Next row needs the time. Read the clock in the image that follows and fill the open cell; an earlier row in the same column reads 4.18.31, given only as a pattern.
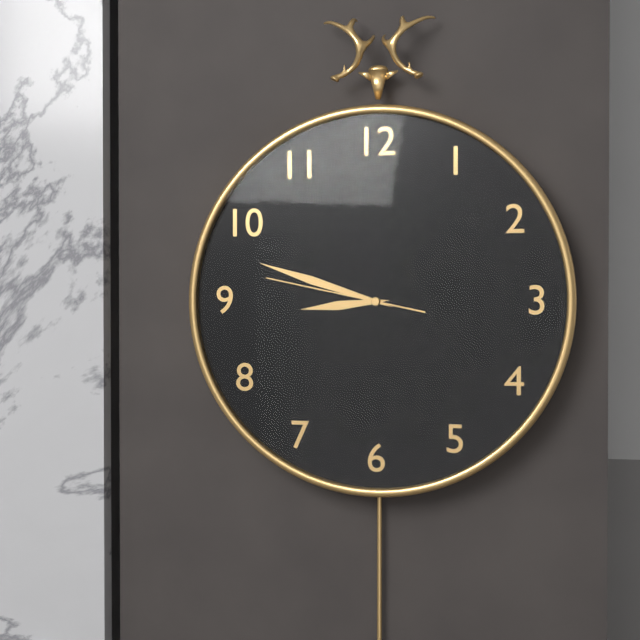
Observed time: 8.48.47
